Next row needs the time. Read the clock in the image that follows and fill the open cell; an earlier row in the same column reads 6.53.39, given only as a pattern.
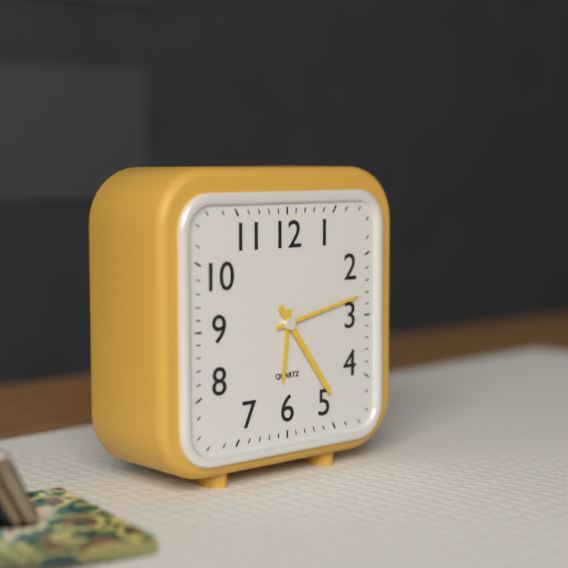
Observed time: 6.13.24
